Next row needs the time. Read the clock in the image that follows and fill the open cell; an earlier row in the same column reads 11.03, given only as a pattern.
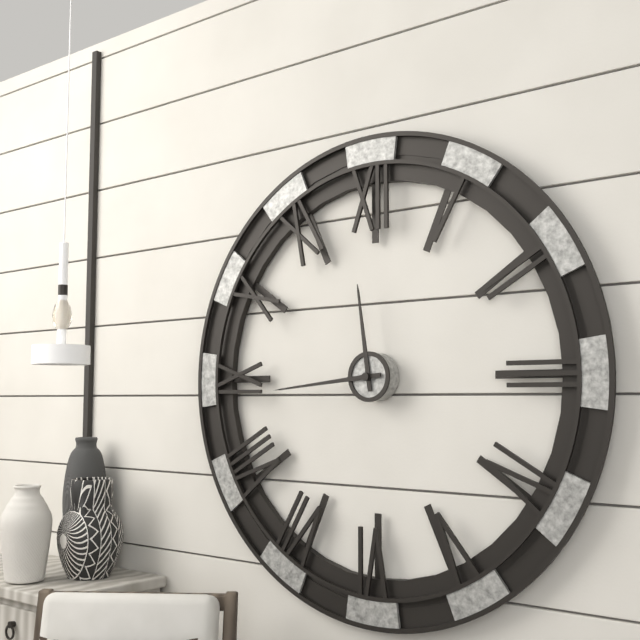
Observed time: 11.44
